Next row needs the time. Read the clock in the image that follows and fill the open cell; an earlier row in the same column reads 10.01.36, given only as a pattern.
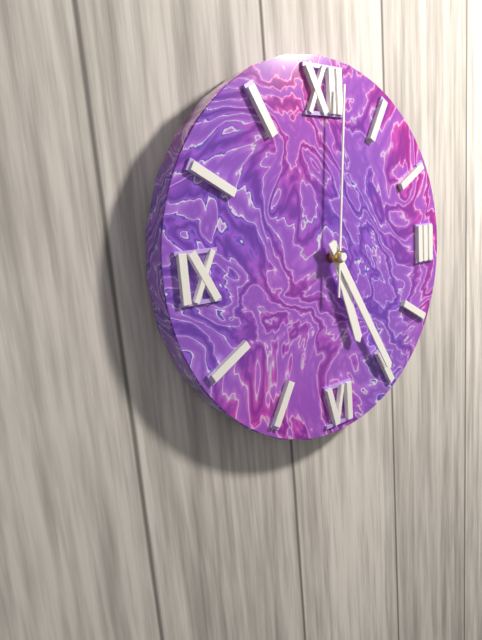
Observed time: 5.25.01
